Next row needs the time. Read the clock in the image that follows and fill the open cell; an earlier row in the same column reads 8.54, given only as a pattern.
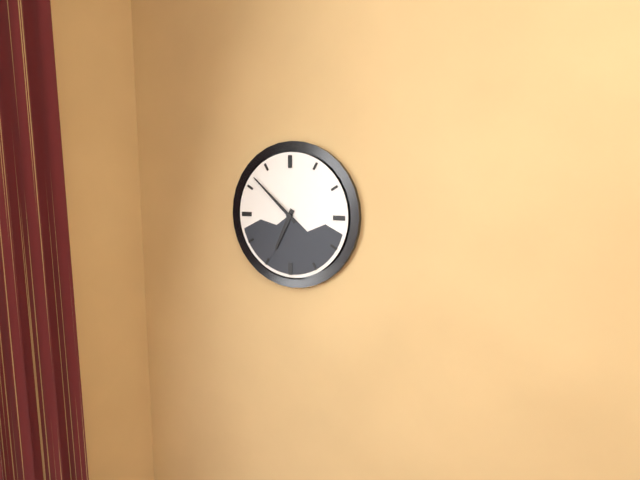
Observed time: 6.52
